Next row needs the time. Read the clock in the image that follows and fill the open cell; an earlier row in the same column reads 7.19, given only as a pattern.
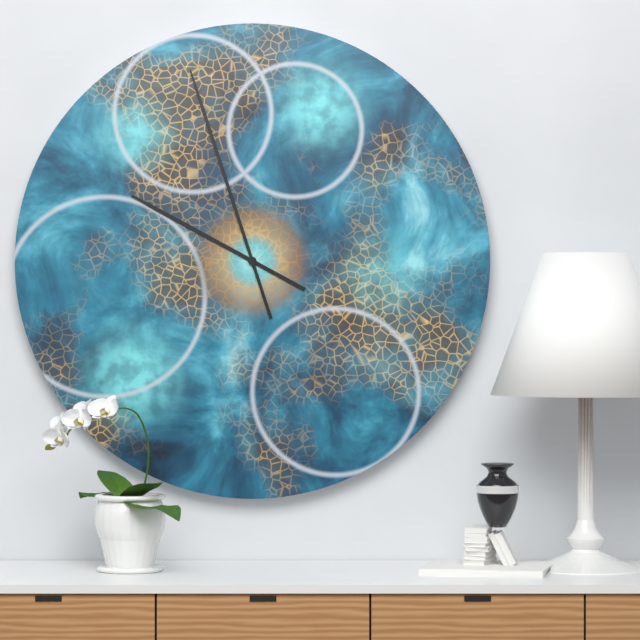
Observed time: 9.57
